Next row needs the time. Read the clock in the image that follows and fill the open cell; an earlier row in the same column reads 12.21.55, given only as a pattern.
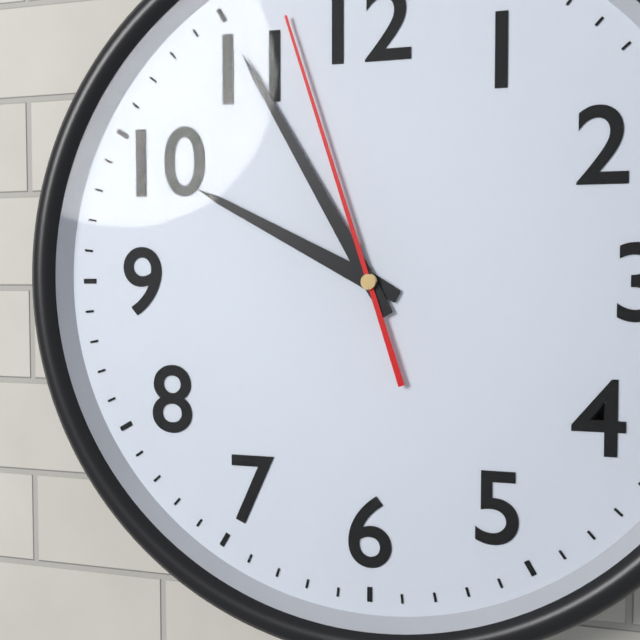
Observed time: 9.55.57
